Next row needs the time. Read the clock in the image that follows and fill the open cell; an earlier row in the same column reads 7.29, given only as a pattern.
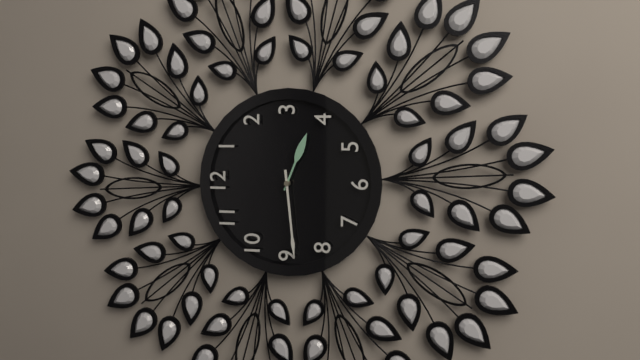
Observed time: 3.44
